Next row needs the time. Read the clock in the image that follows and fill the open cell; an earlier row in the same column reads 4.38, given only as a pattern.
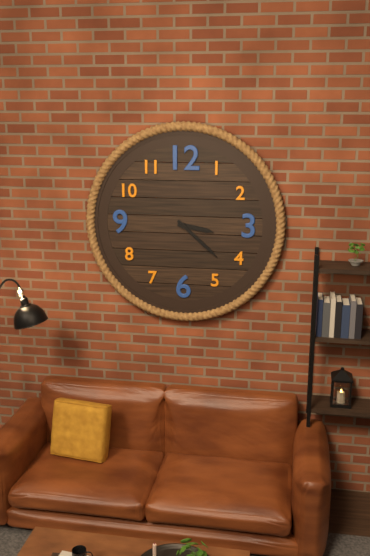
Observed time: 3.22
